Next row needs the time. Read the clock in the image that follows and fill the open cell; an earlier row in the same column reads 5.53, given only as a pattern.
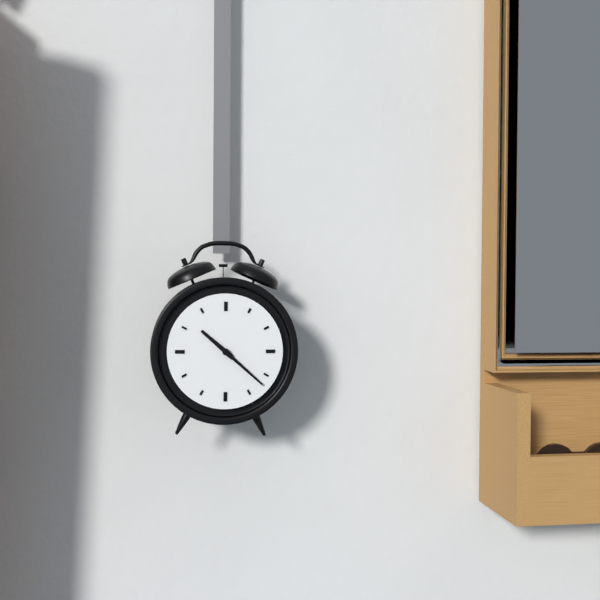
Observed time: 10.22
